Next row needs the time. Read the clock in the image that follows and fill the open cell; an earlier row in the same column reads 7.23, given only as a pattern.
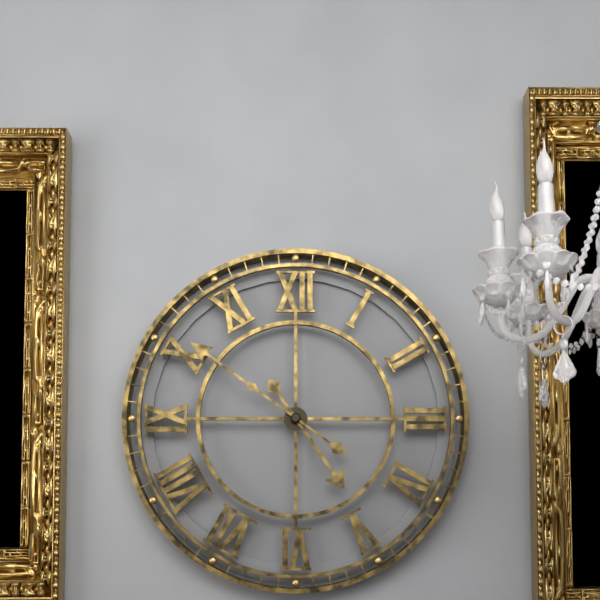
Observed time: 4.51
